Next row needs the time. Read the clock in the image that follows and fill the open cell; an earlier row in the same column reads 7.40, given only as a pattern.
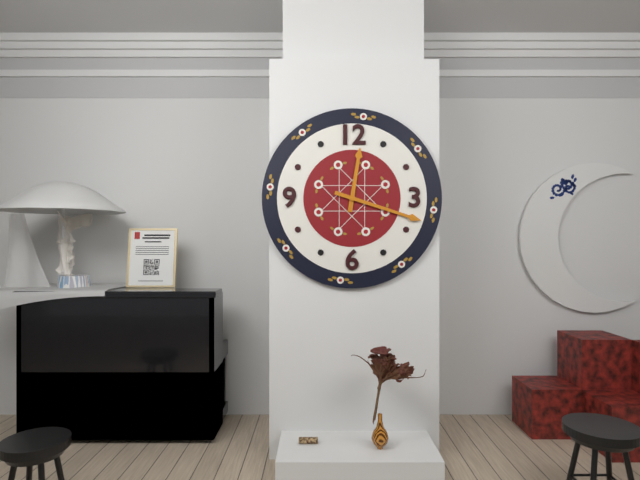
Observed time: 12.18
